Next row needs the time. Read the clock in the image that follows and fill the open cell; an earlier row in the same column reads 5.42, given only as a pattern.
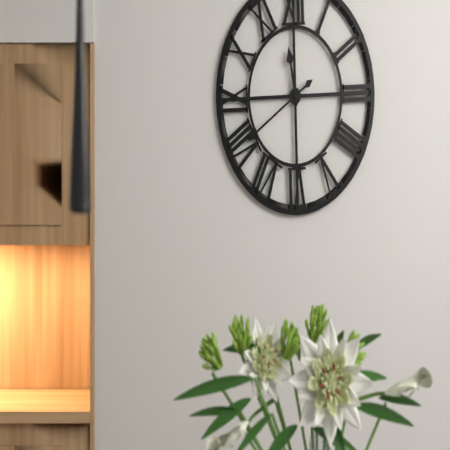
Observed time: 11.40
